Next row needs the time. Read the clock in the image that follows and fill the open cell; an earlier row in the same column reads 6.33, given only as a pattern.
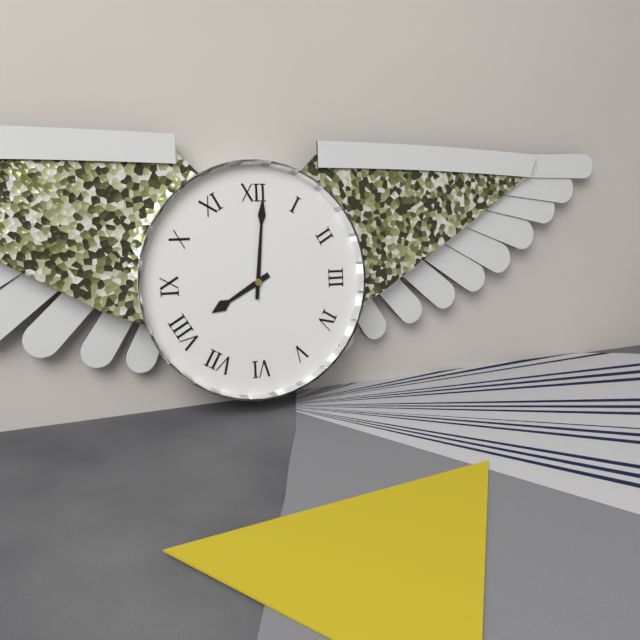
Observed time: 8.01
